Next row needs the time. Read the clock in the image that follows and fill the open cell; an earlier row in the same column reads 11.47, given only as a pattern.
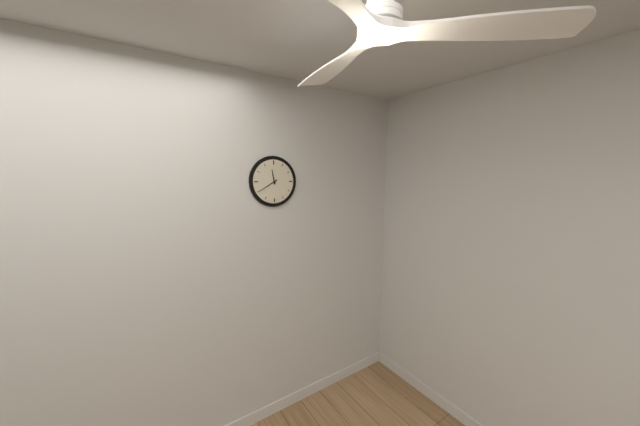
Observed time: 11.40
